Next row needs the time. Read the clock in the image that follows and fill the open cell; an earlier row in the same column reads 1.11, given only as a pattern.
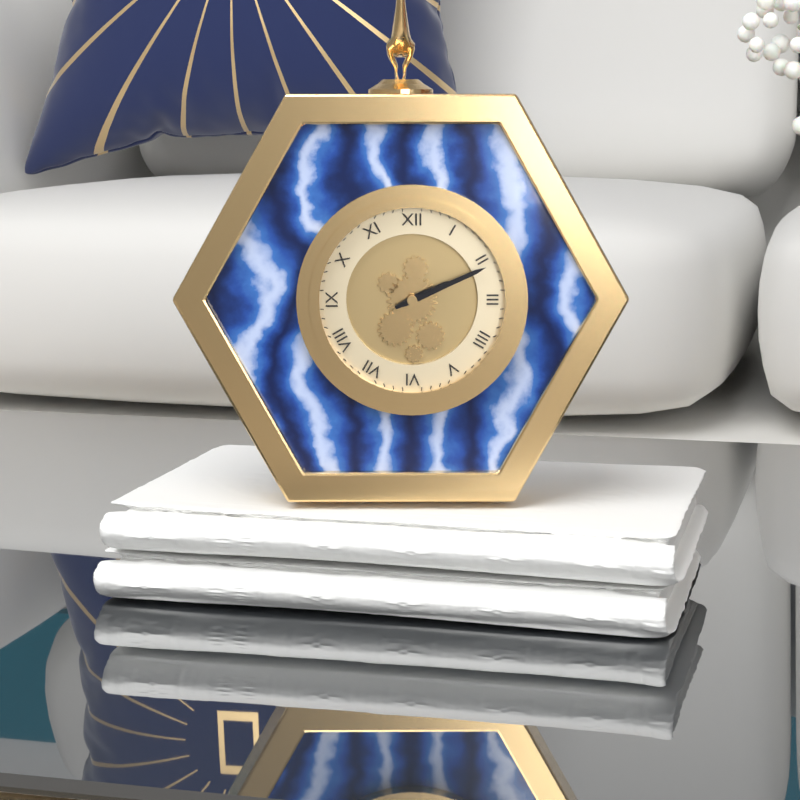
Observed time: 2.11
